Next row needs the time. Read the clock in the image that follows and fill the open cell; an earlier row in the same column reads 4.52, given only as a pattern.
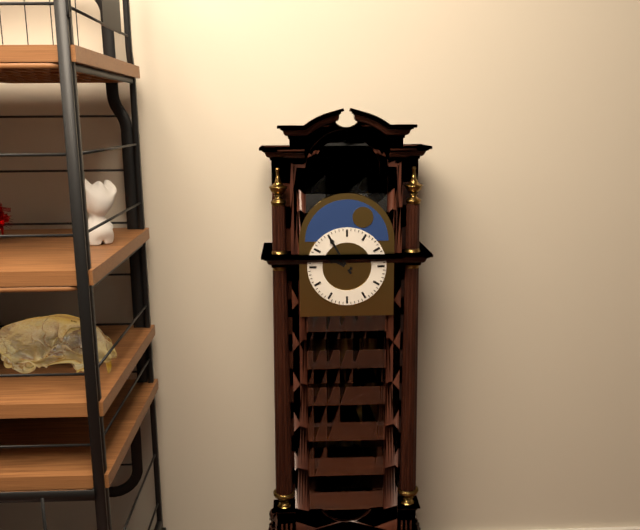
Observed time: 9.55
